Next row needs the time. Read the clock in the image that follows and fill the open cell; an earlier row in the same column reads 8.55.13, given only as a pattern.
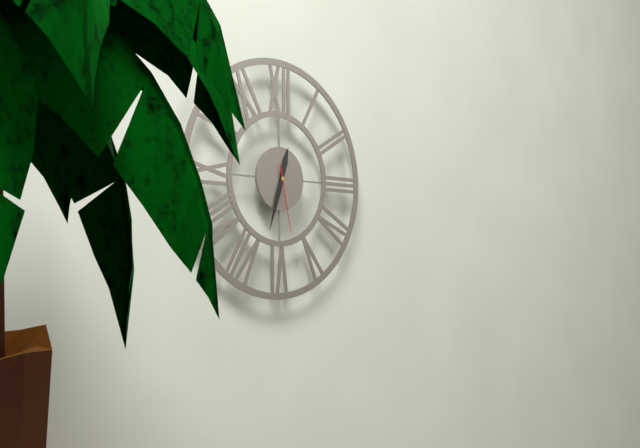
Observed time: 12.33.28
